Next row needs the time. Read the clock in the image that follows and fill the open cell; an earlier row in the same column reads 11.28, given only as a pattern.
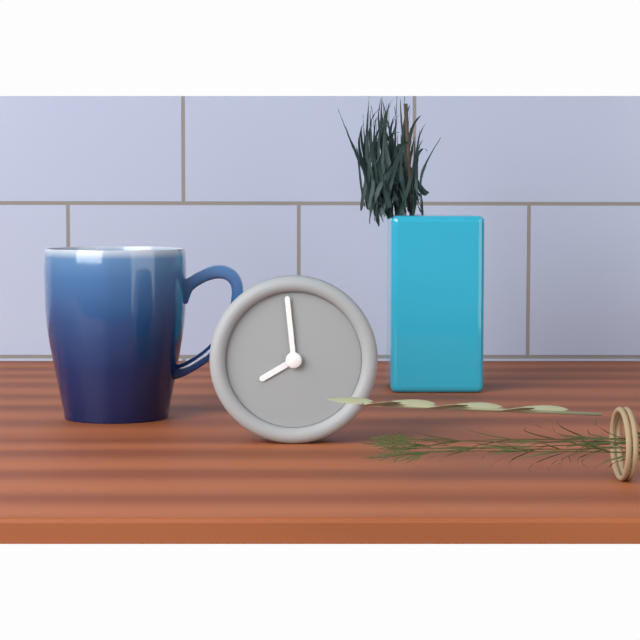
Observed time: 7.59
